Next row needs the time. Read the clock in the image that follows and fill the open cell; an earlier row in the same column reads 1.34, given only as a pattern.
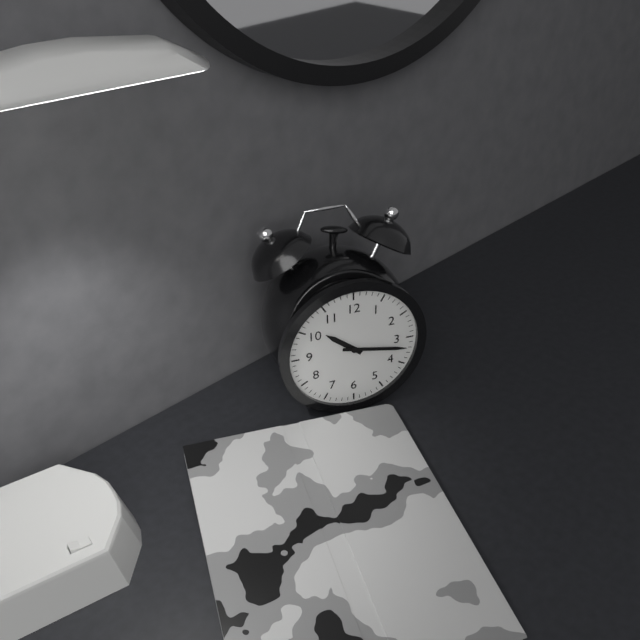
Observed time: 10.17
